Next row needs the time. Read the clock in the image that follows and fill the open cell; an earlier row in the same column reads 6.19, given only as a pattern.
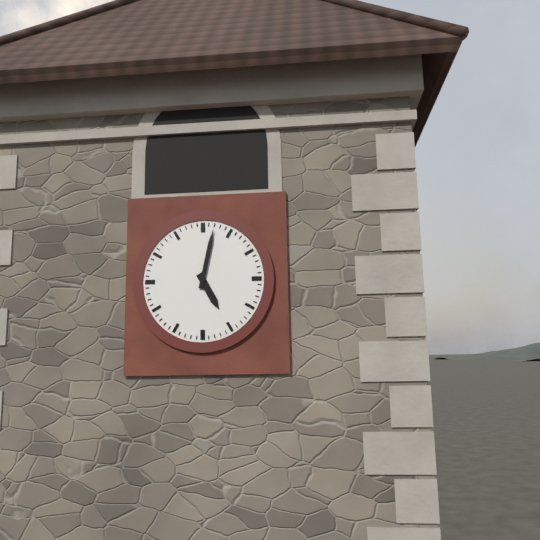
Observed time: 5.02
